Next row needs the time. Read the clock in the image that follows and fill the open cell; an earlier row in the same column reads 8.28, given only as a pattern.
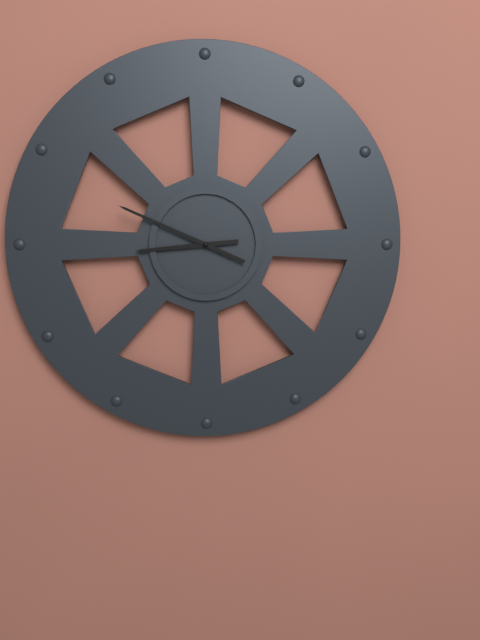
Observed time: 8.49
